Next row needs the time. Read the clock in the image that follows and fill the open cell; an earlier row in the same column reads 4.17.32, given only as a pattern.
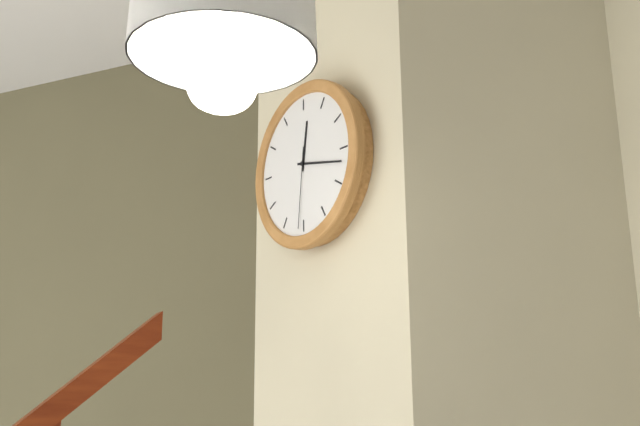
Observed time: 12.17.31
